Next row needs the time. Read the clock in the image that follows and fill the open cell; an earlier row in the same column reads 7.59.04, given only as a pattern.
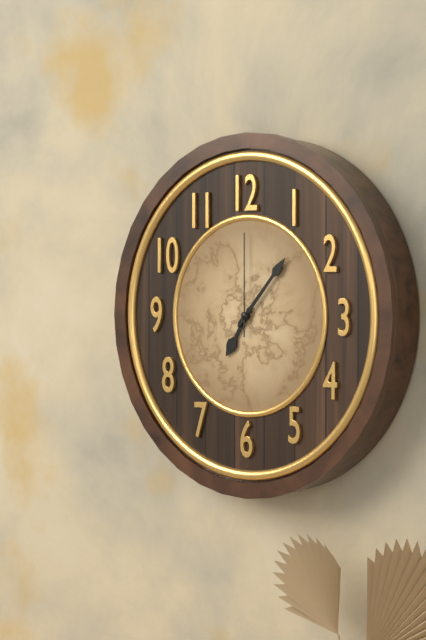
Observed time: 7.07.00
